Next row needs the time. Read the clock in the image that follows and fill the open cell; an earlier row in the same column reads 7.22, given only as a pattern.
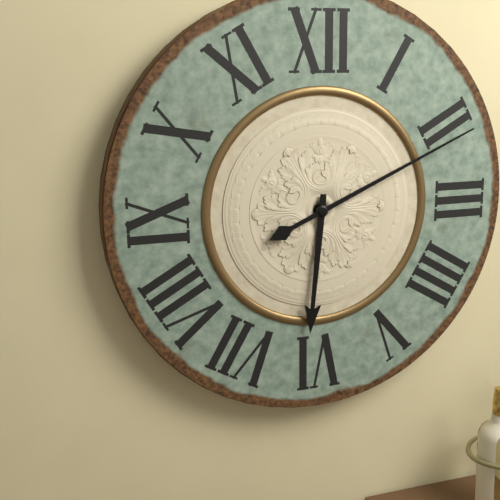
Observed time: 6.11
